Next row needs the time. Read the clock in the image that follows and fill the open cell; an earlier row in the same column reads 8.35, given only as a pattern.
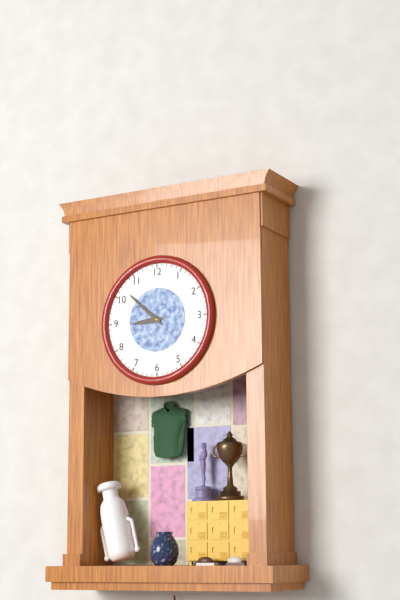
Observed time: 8.52
